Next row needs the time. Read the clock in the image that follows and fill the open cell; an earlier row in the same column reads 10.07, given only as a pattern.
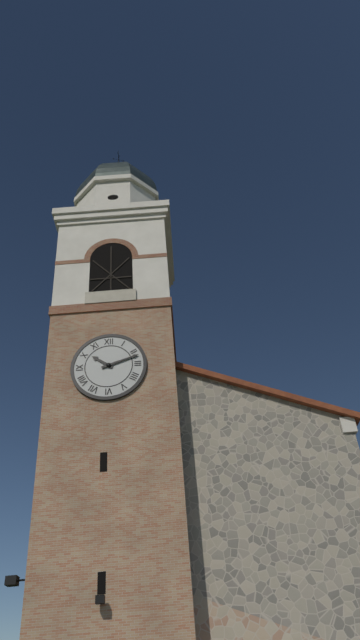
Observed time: 10.12
